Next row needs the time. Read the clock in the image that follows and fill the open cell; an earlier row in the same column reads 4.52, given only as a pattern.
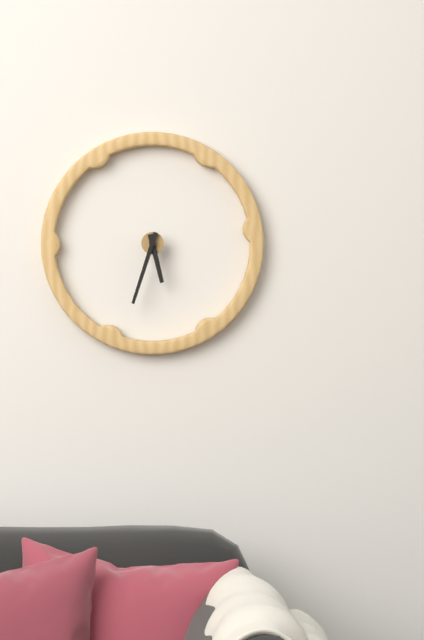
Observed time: 5.33
